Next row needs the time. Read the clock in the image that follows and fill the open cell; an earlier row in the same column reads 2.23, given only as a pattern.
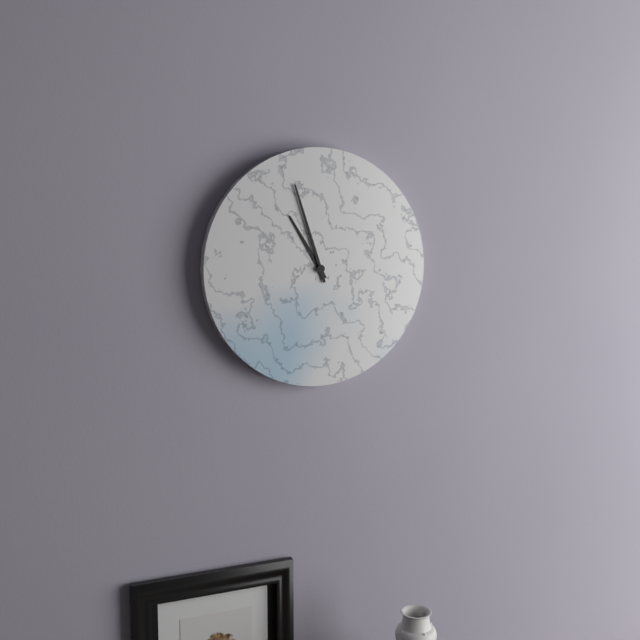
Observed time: 10.57
